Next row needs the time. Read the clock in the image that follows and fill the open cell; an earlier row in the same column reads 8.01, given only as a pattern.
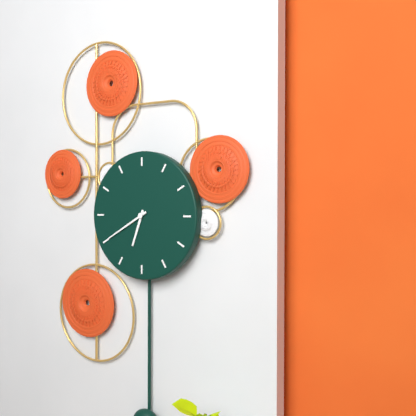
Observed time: 6.40
